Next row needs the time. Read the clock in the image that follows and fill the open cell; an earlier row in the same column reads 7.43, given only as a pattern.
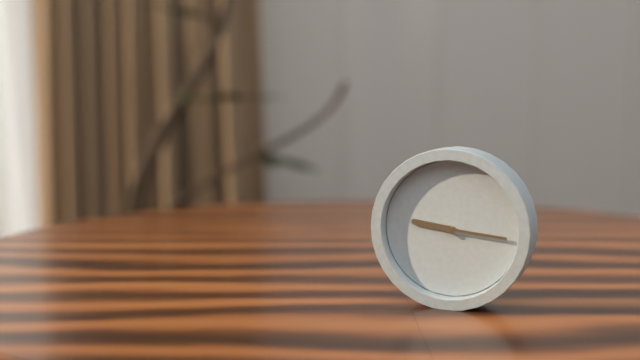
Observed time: 9.16
